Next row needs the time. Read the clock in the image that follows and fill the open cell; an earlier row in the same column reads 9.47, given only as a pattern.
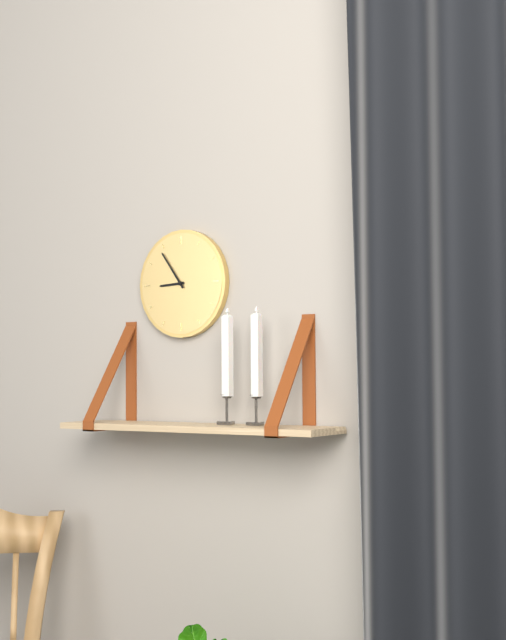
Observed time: 8.54
